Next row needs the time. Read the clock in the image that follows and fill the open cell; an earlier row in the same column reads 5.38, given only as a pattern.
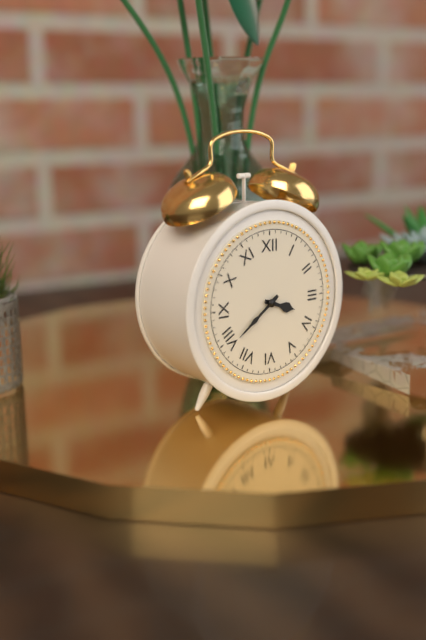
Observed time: 3.39
